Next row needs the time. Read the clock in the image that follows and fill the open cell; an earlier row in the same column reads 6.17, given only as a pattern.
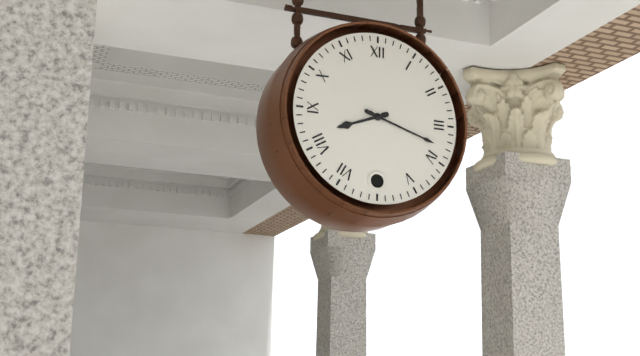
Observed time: 8.18
